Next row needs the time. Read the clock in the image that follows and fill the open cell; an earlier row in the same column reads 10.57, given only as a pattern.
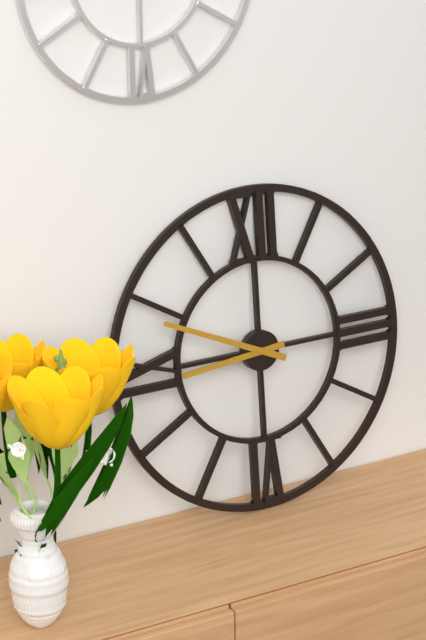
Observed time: 8.49
